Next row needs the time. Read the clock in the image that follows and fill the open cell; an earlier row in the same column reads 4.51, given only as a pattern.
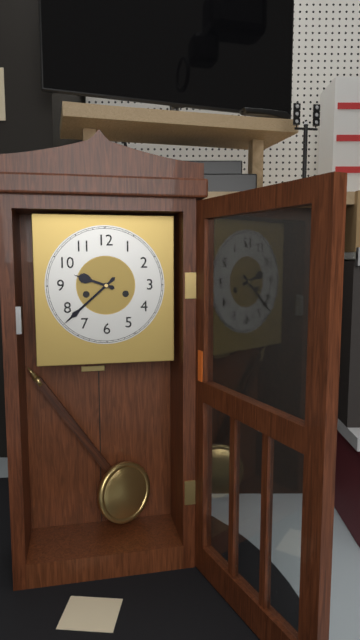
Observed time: 9.38
